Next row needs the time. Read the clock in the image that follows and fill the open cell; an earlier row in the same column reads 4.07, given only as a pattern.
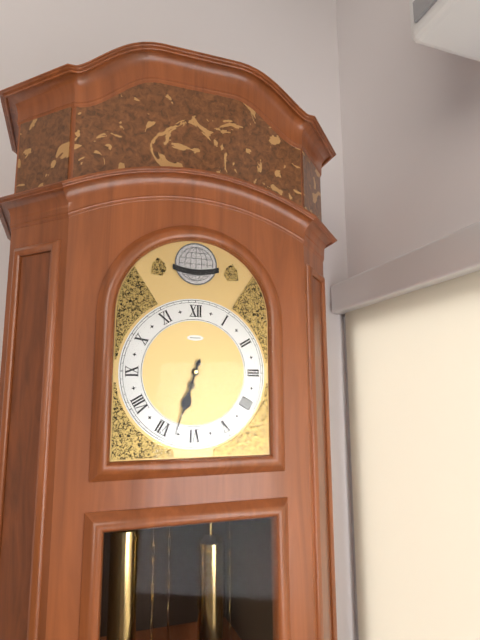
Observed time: 6.33
